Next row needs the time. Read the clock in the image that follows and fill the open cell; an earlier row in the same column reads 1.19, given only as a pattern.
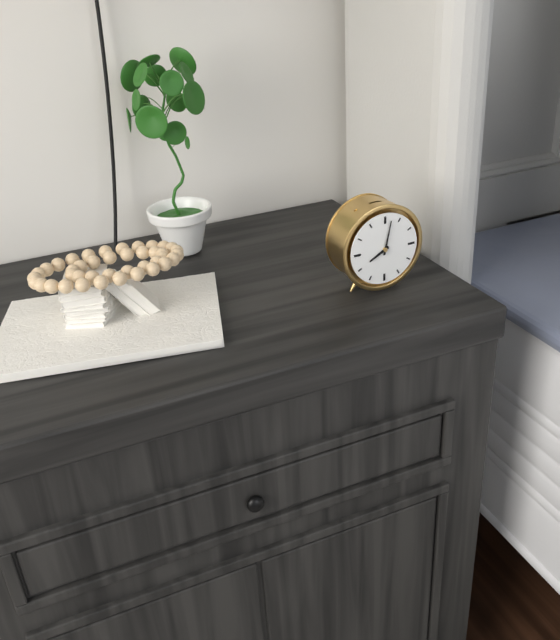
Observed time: 8.02
